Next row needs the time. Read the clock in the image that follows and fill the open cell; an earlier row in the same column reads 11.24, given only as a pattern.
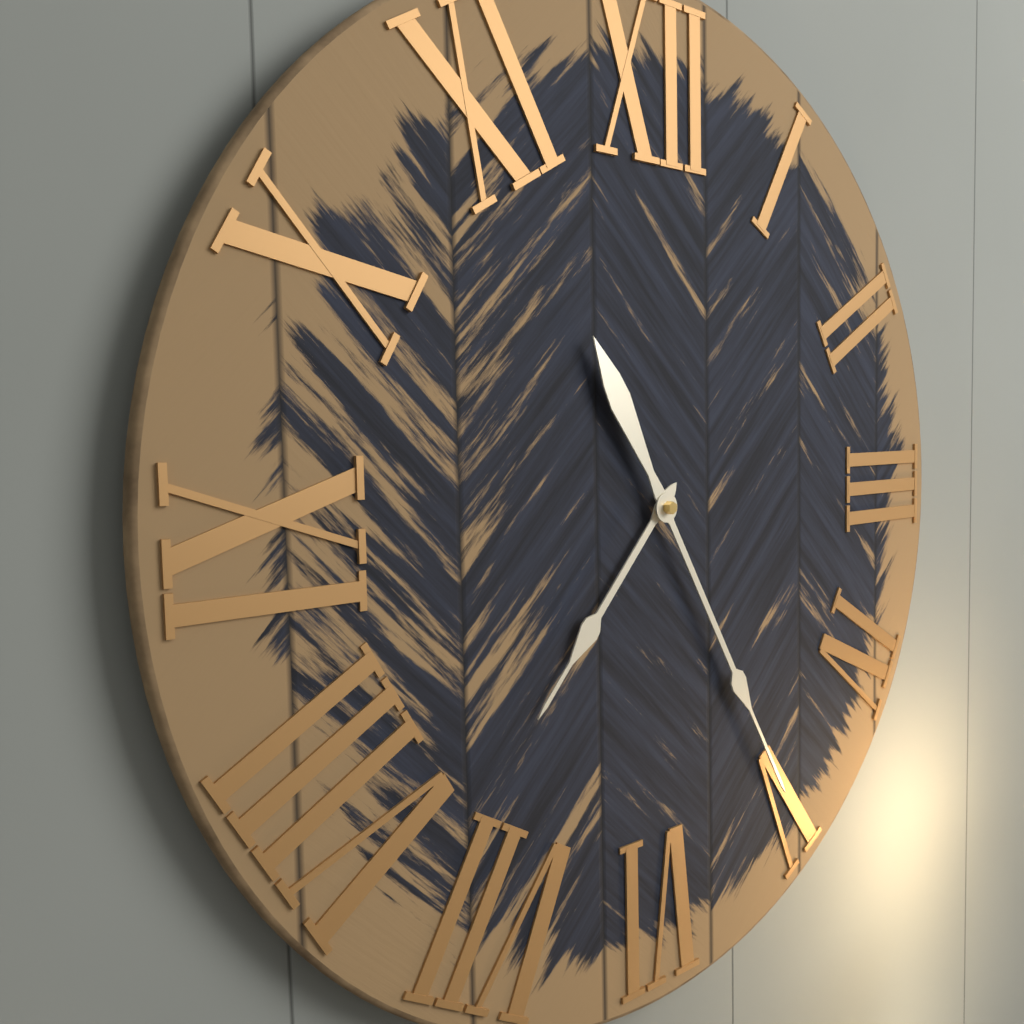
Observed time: 7.25
